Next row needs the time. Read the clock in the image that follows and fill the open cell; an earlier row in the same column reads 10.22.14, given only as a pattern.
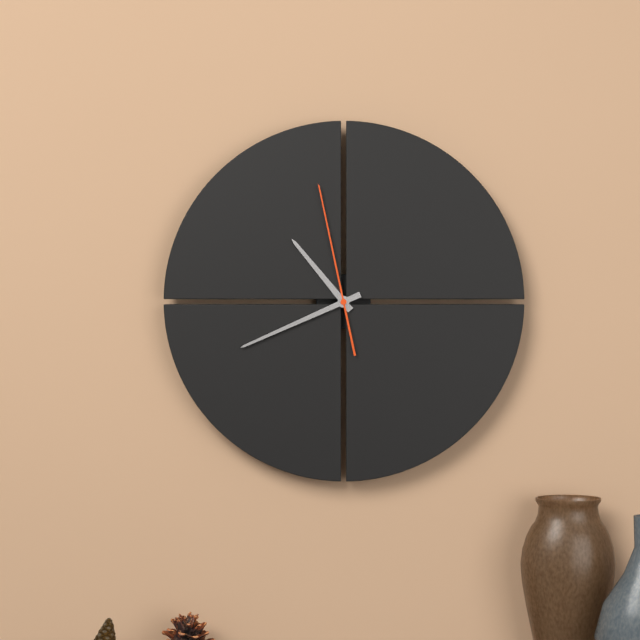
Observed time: 10.41.58
